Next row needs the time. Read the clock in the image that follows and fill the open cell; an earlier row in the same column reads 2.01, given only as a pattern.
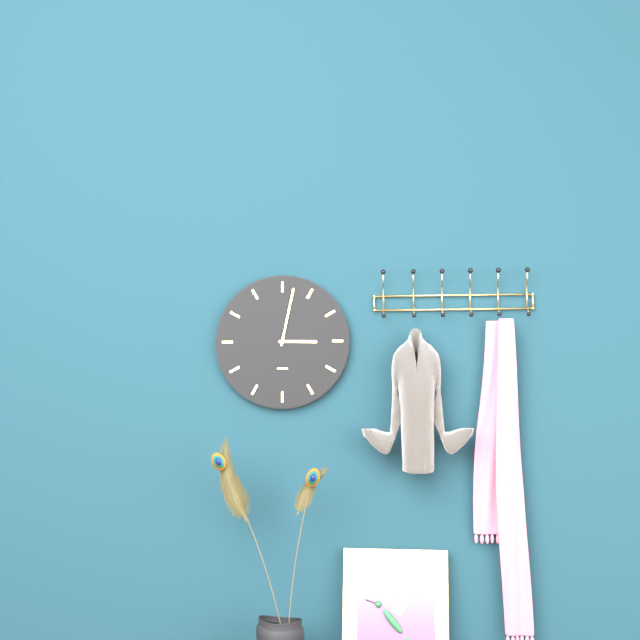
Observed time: 3.02
